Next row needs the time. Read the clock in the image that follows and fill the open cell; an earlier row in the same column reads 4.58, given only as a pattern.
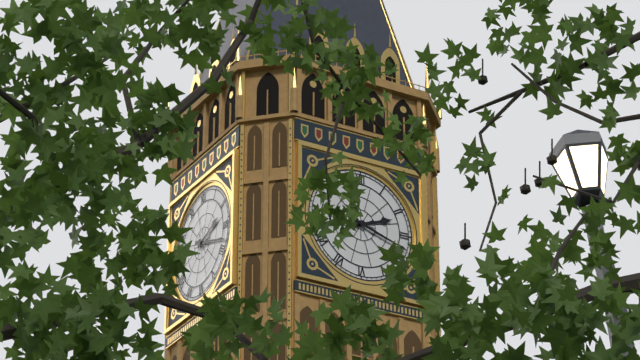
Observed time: 2.18
